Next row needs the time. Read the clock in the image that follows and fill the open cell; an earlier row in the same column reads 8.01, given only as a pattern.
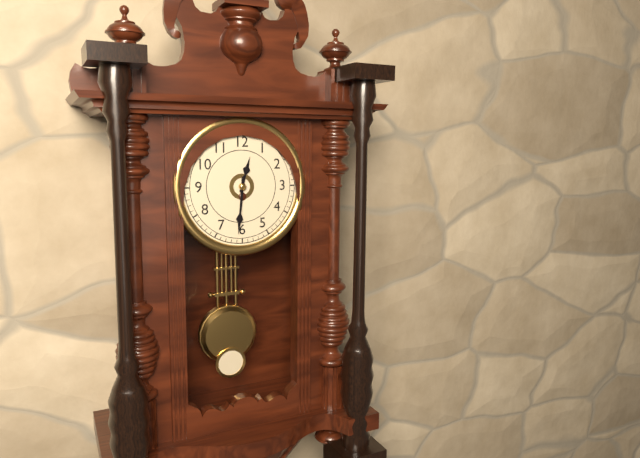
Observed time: 12.31
